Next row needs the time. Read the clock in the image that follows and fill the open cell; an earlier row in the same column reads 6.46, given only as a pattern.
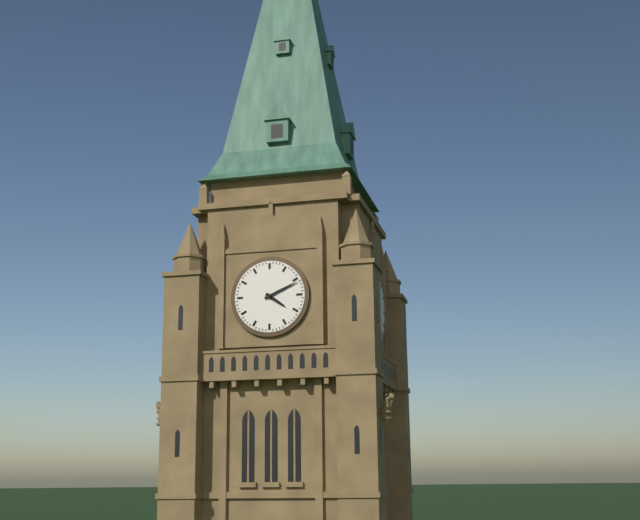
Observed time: 4.11
